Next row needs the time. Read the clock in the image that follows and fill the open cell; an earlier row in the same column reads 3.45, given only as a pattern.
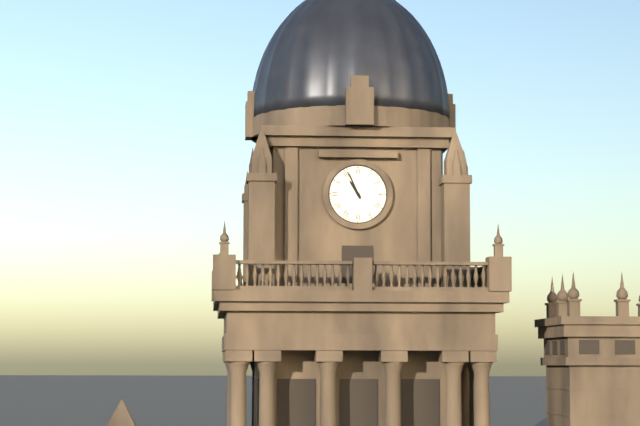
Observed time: 10.56
